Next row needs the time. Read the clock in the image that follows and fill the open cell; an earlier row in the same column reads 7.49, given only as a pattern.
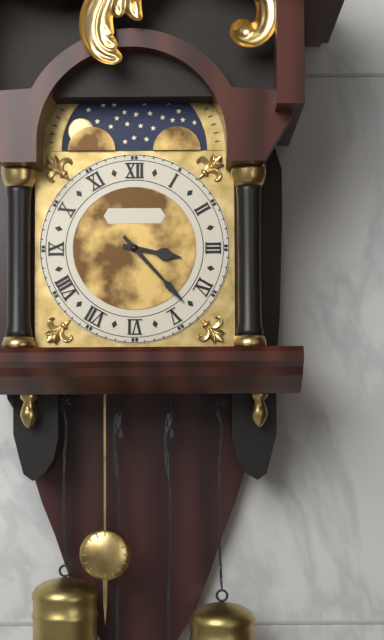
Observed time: 3.23
